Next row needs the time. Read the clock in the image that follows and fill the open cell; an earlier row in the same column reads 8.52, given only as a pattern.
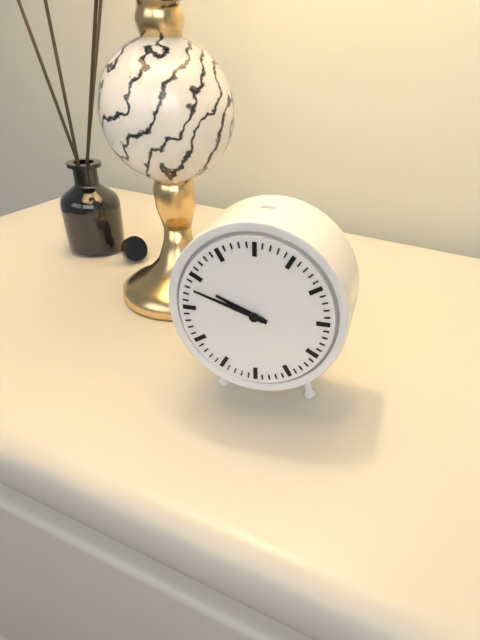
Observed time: 9.48
